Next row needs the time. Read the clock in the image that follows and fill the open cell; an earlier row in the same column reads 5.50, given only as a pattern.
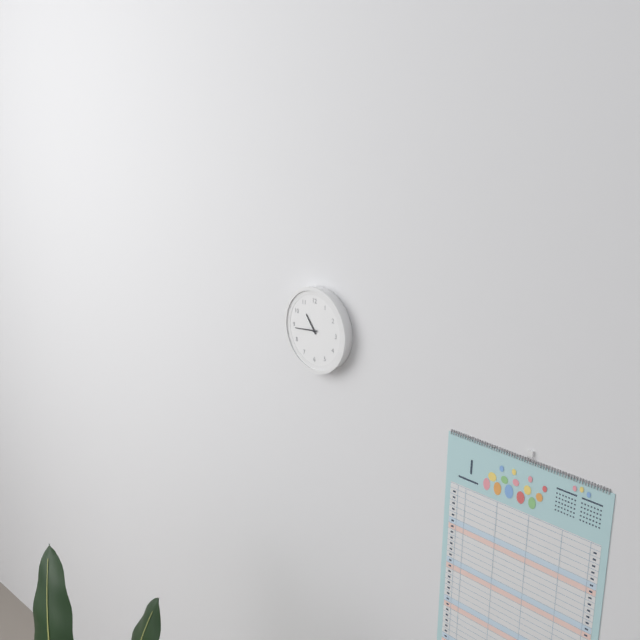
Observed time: 10.44
